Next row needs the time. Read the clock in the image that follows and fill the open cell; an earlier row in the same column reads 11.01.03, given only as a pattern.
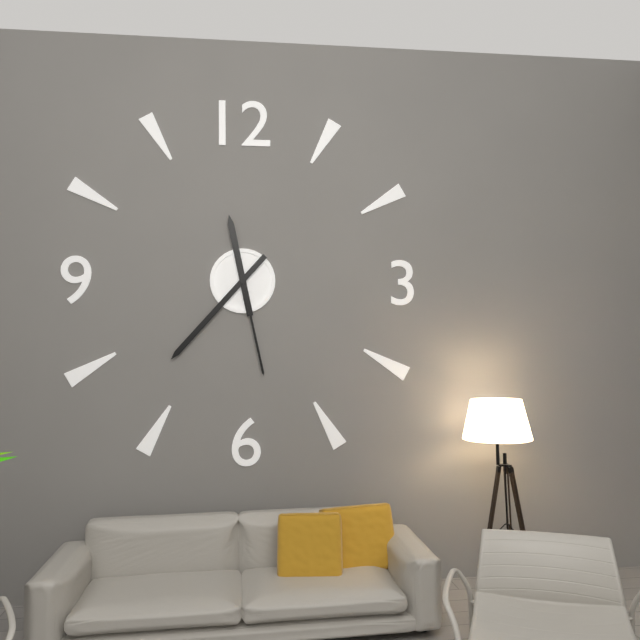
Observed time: 11.37.28
